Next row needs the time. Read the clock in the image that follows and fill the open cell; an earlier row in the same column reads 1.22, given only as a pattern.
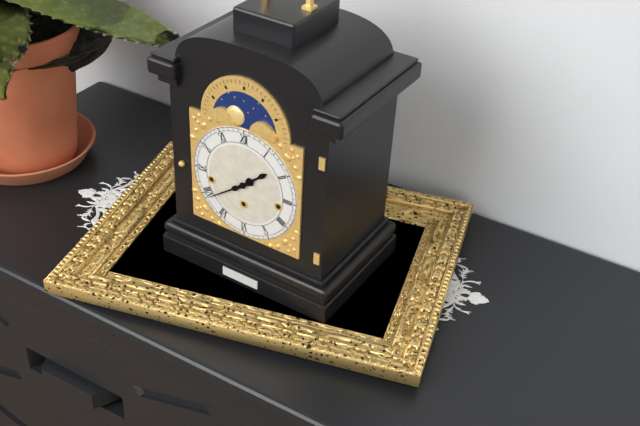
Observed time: 1.39
